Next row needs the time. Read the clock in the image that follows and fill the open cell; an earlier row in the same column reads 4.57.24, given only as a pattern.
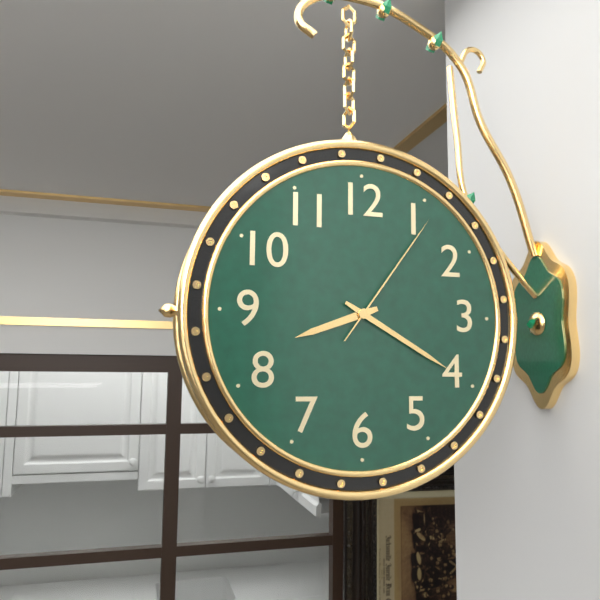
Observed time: 8.20.06
